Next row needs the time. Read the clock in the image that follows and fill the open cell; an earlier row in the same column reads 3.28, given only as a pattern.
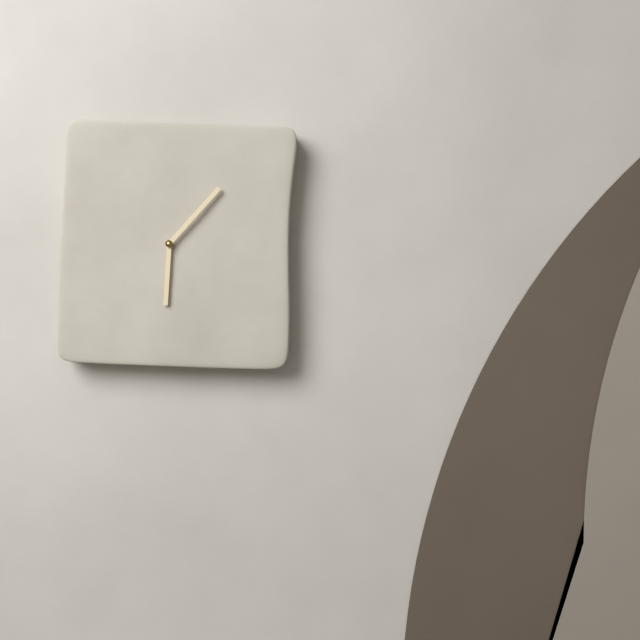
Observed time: 6.07
